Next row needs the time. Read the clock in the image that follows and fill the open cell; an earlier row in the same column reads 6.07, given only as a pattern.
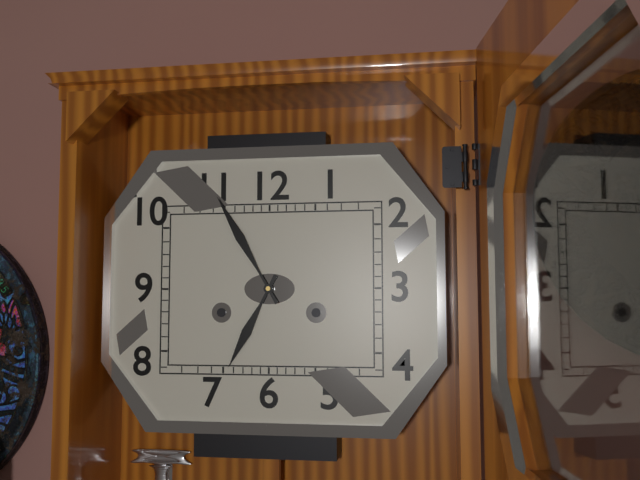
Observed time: 6.55
